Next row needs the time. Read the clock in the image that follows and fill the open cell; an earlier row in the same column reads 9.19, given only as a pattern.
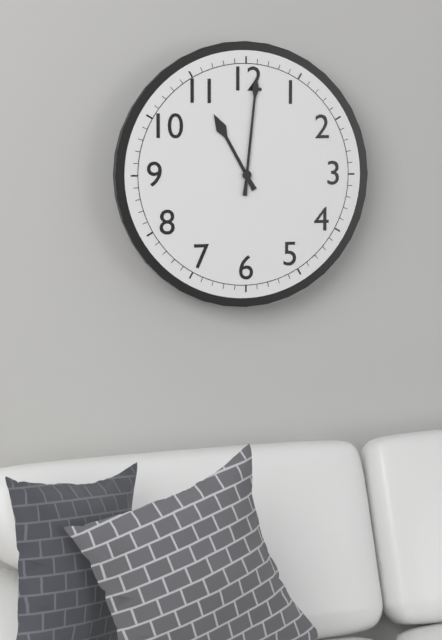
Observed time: 11.01
